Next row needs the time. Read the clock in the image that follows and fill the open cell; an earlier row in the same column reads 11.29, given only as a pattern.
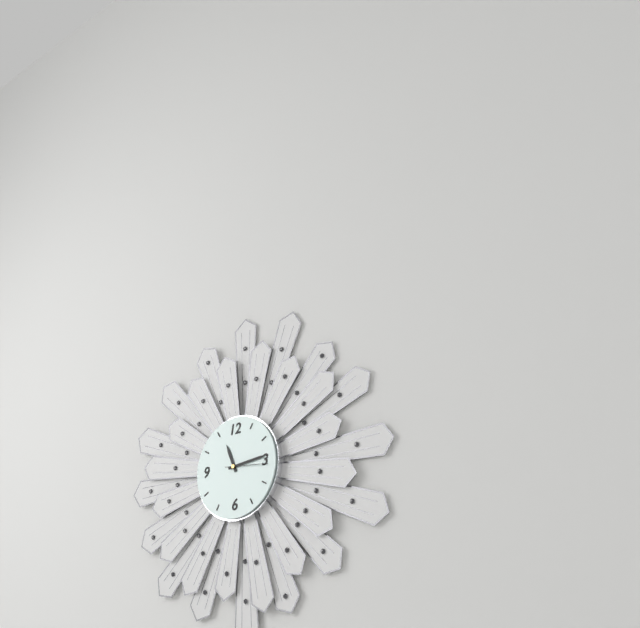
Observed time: 11.14
